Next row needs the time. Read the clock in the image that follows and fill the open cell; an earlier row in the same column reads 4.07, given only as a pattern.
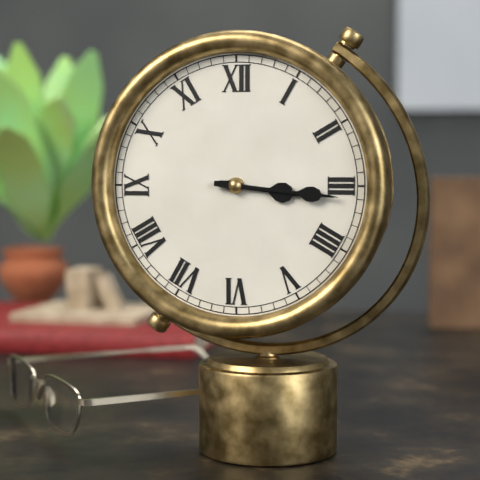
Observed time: 3.16
